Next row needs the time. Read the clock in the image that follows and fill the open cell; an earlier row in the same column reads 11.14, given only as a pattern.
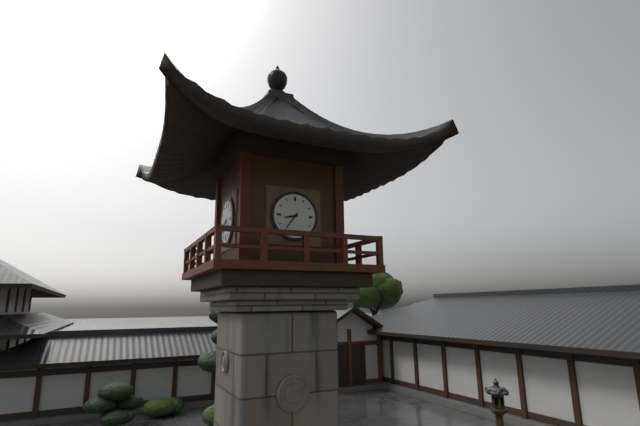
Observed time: 8.36
